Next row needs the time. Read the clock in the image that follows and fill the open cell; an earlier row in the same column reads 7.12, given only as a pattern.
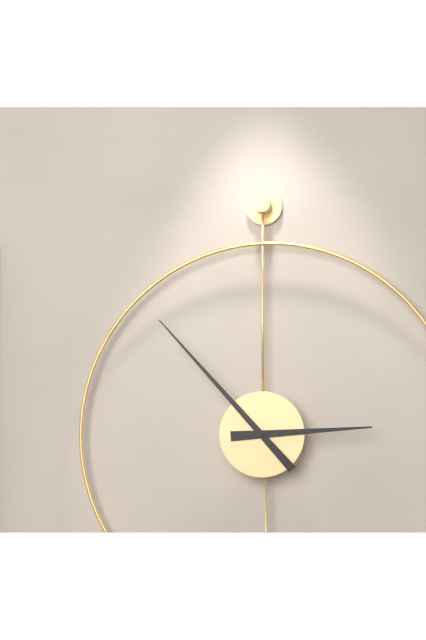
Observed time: 2.53
